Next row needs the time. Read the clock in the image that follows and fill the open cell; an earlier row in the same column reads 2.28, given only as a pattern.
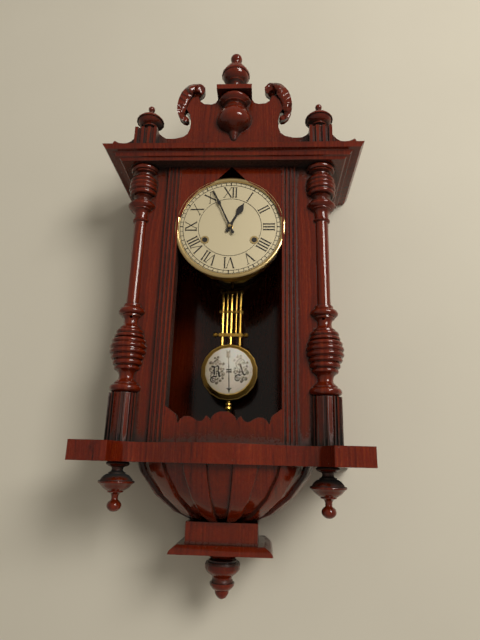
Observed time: 12.56
